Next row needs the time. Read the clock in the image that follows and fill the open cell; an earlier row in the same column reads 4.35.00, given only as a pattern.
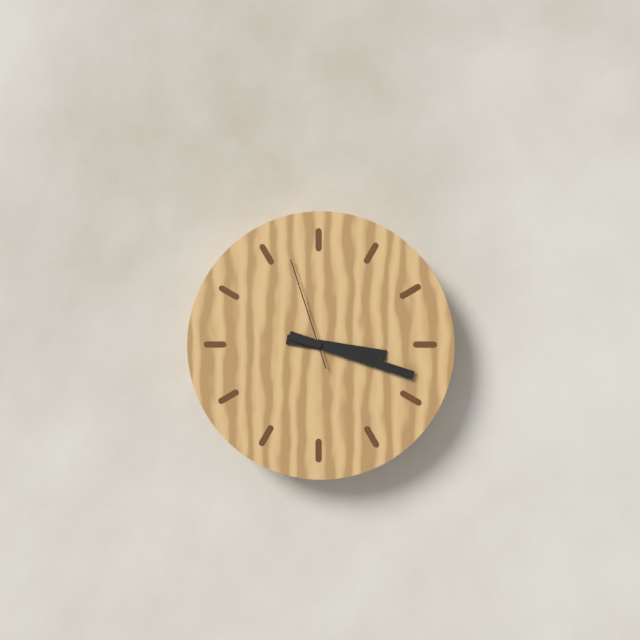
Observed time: 3.18.57
